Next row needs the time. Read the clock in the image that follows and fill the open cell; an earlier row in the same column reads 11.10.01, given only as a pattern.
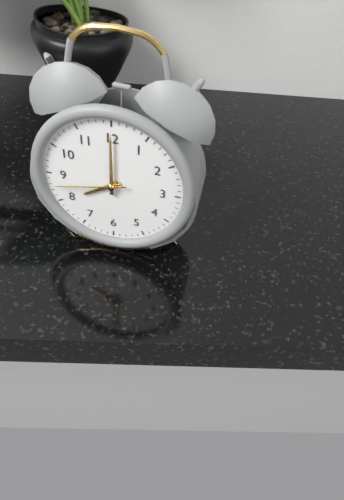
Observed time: 8.00.43
